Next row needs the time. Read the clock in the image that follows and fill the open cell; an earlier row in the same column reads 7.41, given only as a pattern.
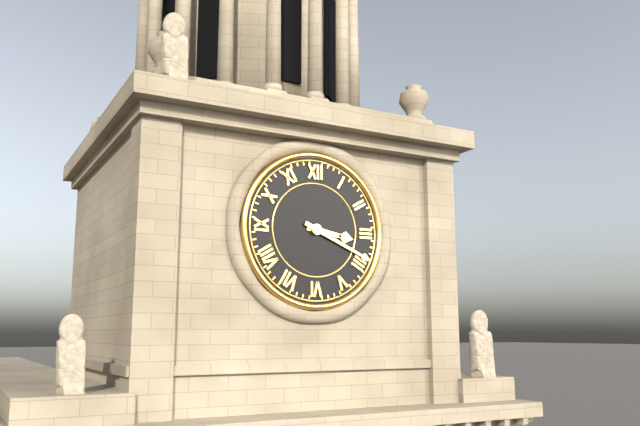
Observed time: 3.19
